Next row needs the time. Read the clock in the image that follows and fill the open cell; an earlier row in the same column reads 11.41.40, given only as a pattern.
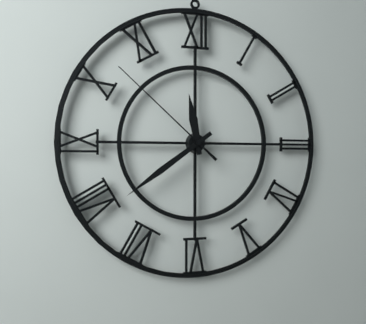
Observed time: 11.39.52
